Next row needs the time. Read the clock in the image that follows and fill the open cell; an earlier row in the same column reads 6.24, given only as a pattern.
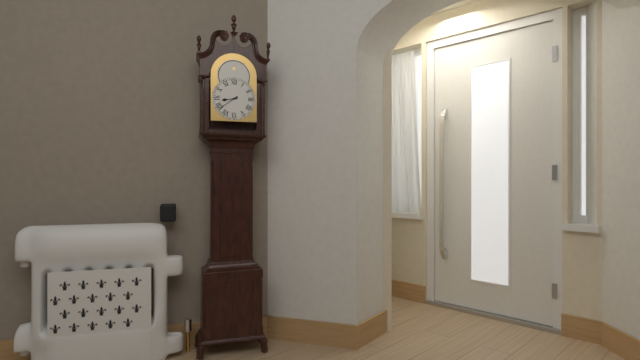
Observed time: 8.39
